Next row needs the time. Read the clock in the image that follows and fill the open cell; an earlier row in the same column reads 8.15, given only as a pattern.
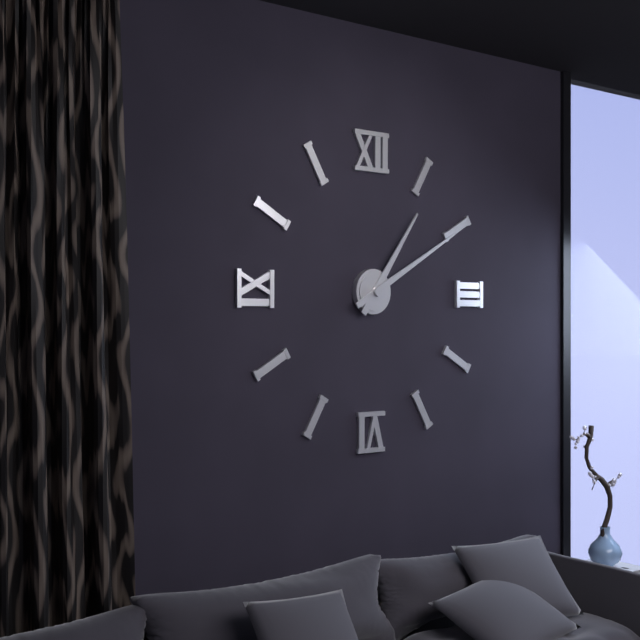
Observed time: 1.10
